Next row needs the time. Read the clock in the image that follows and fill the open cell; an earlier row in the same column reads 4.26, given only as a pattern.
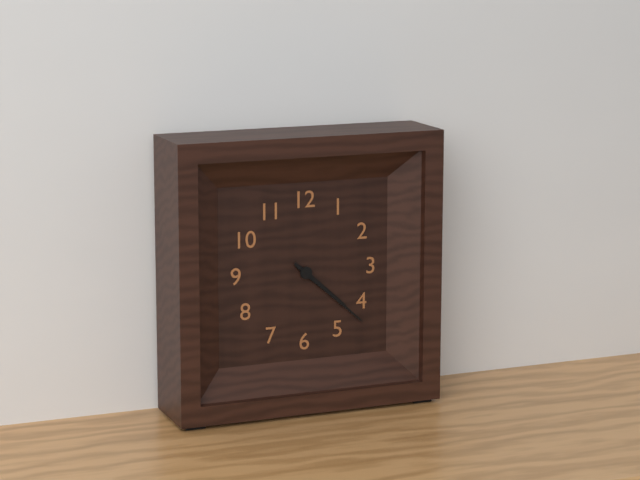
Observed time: 4.22
